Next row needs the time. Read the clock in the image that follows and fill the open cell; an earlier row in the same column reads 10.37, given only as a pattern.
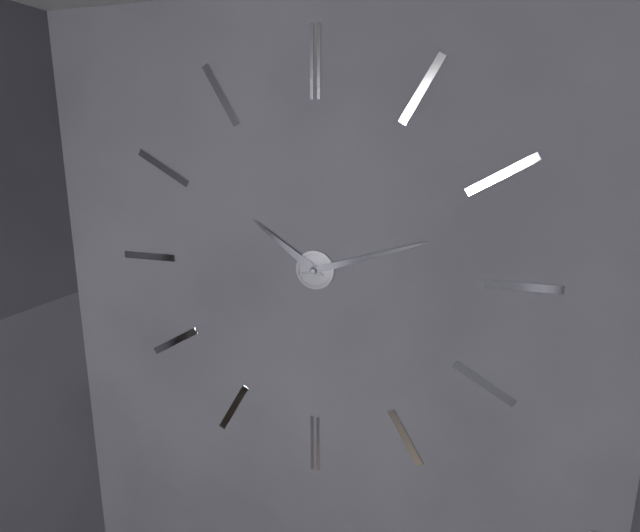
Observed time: 10.12
